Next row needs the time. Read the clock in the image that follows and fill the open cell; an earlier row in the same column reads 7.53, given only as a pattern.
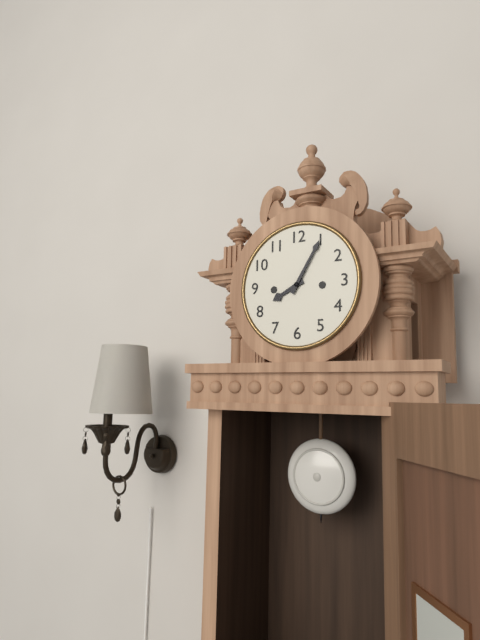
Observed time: 8.05
